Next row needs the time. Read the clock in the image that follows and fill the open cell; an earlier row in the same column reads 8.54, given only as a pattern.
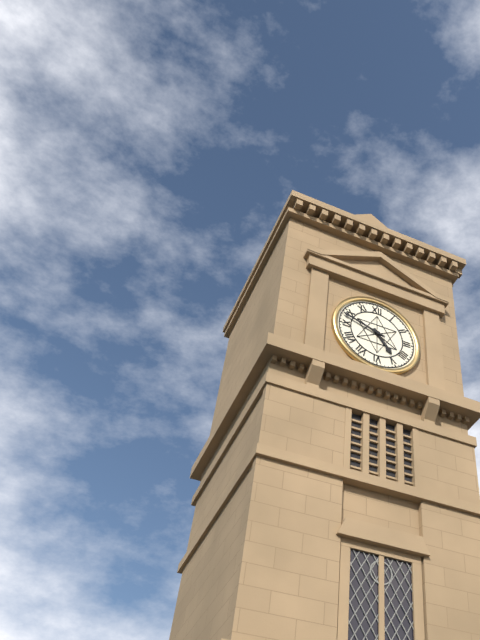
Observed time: 4.48
